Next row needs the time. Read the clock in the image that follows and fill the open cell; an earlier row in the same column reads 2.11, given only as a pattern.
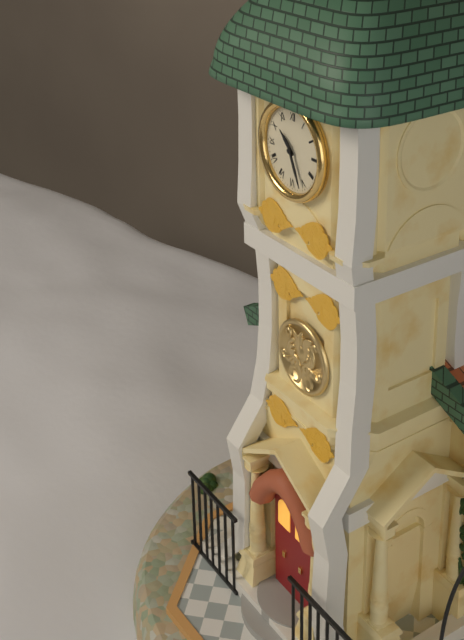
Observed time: 10.26
